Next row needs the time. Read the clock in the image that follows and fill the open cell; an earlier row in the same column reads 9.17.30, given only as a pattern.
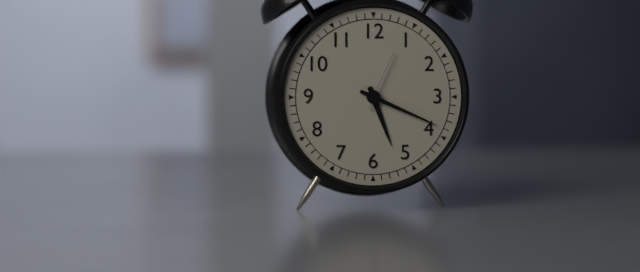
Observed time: 5.19.04
